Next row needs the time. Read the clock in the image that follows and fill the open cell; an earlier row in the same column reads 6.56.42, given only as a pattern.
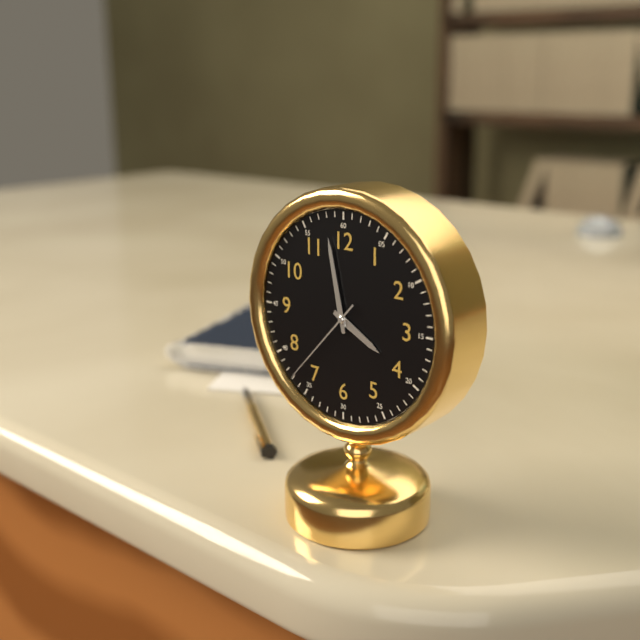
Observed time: 3.58.37
